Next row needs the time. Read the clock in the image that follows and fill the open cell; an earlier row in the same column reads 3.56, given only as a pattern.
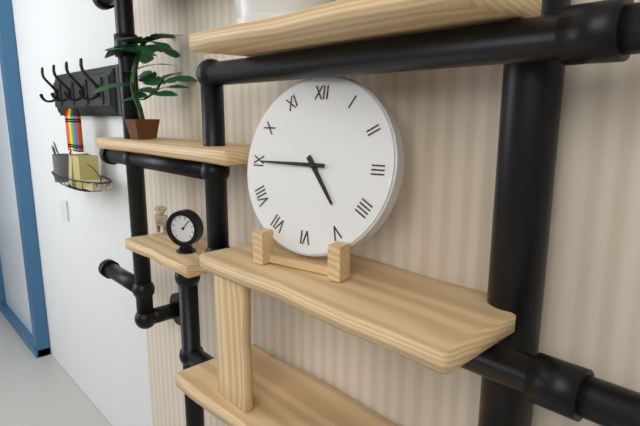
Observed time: 4.45
